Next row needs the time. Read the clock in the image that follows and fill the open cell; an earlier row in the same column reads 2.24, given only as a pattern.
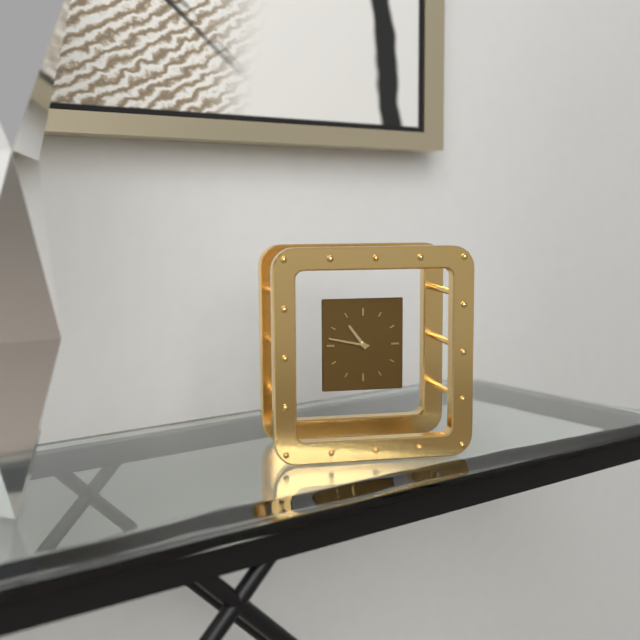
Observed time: 10.47
